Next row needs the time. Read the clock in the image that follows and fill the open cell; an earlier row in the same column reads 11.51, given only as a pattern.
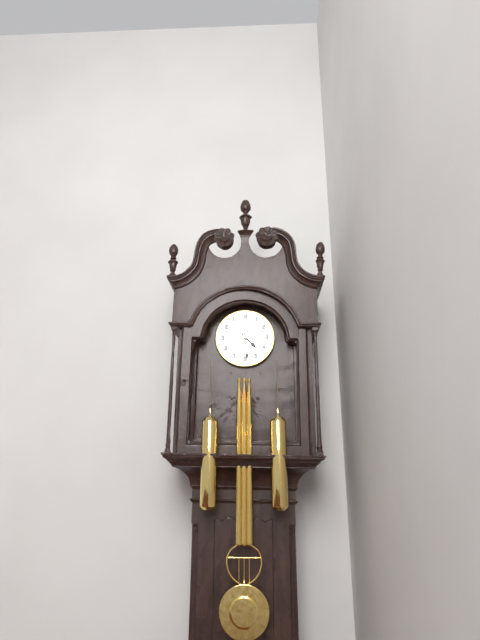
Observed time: 4.29
